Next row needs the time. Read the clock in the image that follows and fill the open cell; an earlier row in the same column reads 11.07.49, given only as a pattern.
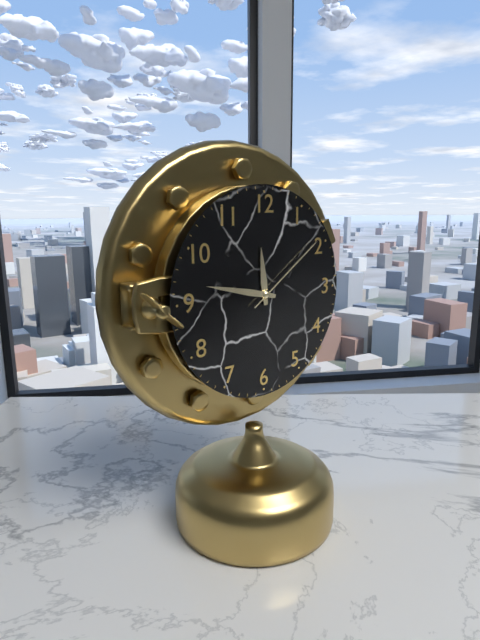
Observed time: 11.47.09
